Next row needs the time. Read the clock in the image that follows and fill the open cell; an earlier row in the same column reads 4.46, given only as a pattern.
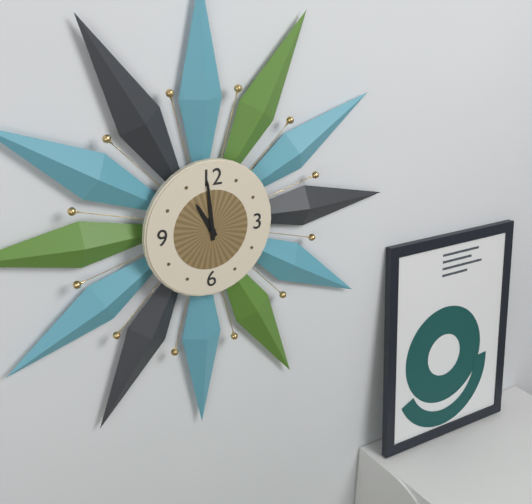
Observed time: 10.59
